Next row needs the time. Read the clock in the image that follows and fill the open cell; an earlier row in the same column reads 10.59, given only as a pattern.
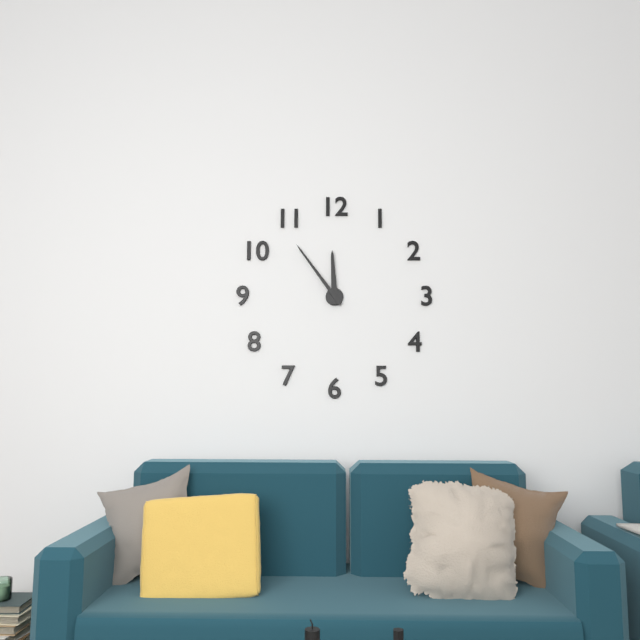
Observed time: 11.54
